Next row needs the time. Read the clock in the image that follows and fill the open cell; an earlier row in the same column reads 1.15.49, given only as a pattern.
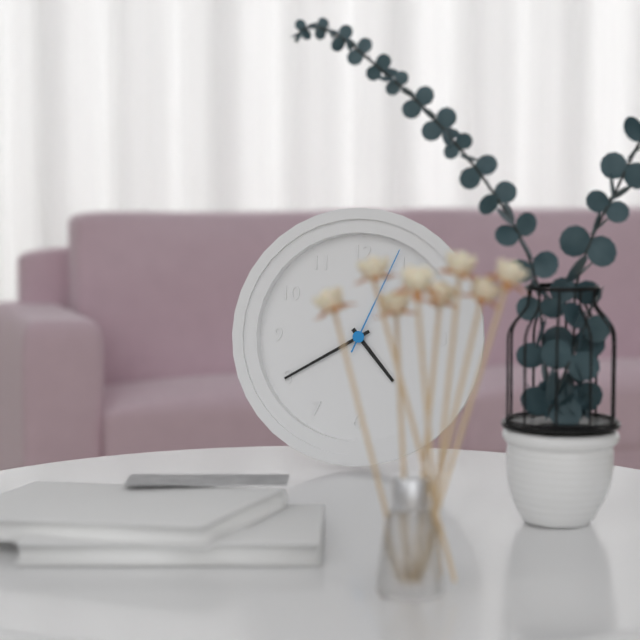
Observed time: 4.40.04
